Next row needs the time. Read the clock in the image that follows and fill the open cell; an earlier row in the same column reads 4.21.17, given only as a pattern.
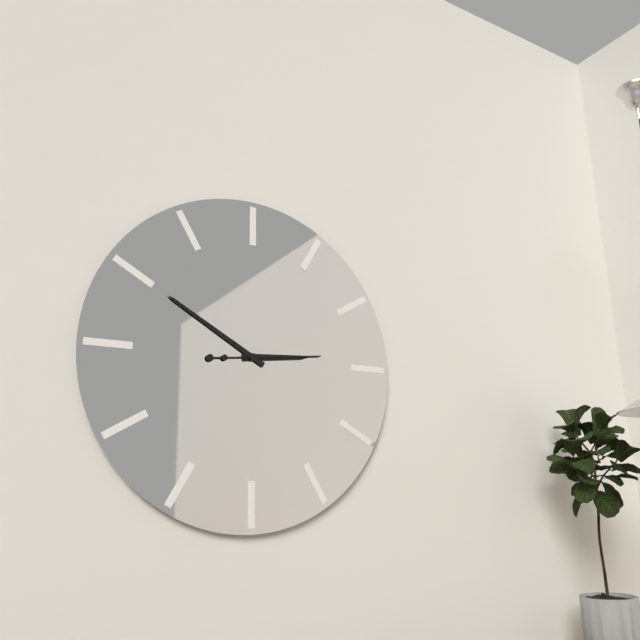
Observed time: 2.50.14
